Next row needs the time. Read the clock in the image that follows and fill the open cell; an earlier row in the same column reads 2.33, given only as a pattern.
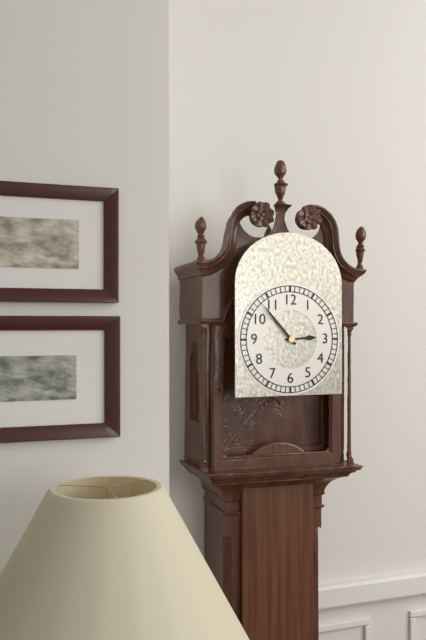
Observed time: 2.53
